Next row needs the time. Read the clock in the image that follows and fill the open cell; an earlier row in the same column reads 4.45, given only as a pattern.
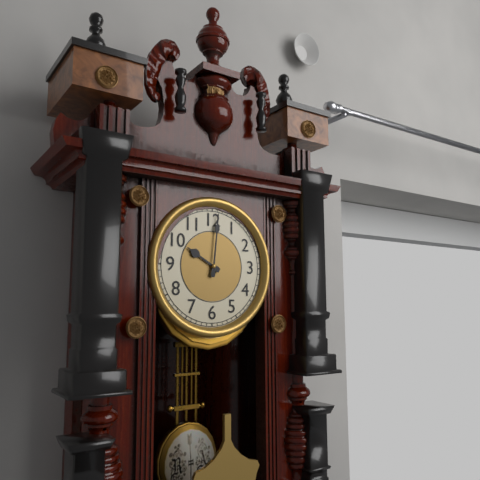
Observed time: 10.01
